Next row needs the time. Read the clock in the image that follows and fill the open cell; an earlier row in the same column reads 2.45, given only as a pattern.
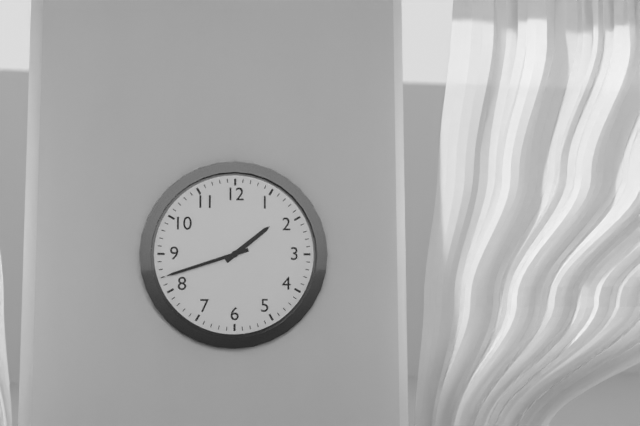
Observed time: 1.42
